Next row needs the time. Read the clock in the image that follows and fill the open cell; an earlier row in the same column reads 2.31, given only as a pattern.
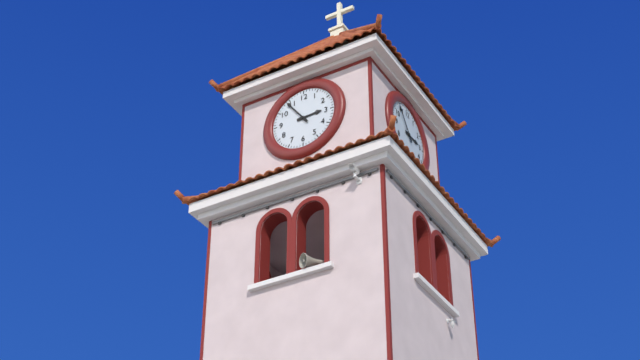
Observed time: 2.54
